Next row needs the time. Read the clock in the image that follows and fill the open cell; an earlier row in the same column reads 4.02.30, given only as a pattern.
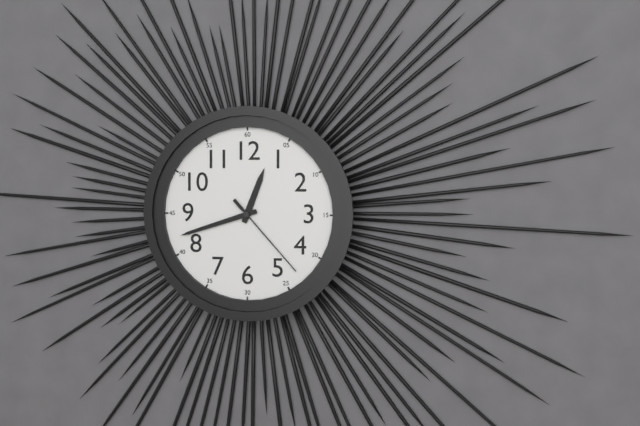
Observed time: 12.42.23
